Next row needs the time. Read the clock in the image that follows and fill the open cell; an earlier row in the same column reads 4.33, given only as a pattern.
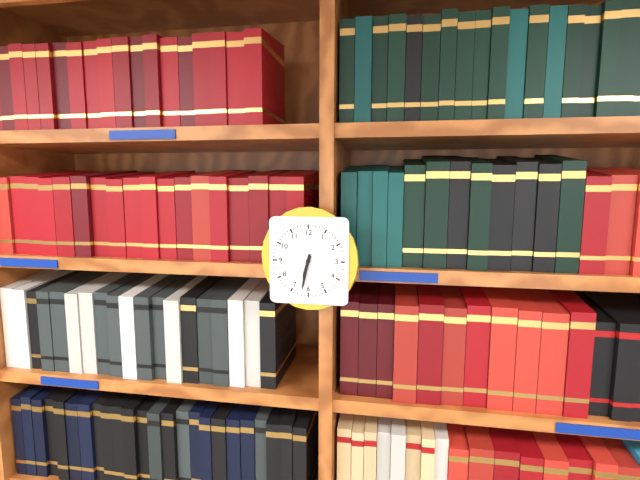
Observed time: 6.32
